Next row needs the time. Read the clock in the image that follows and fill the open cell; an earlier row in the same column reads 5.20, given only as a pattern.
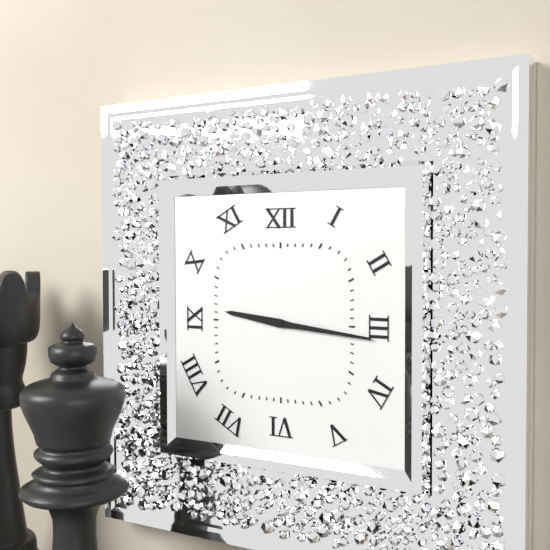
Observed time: 9.16
